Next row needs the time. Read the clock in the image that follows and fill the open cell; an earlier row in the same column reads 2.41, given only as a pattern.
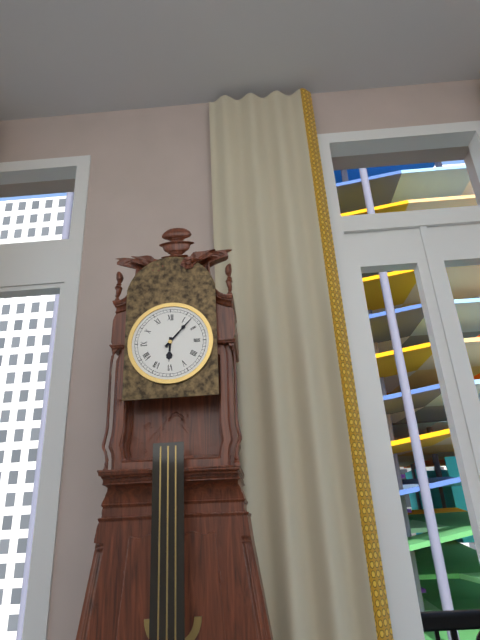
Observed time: 6.07
